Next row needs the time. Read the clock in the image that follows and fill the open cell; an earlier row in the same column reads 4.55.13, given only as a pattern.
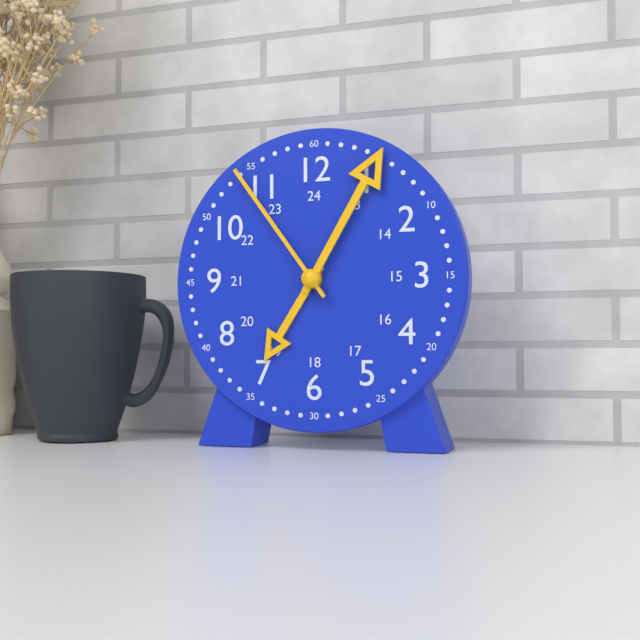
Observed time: 7.05.54
